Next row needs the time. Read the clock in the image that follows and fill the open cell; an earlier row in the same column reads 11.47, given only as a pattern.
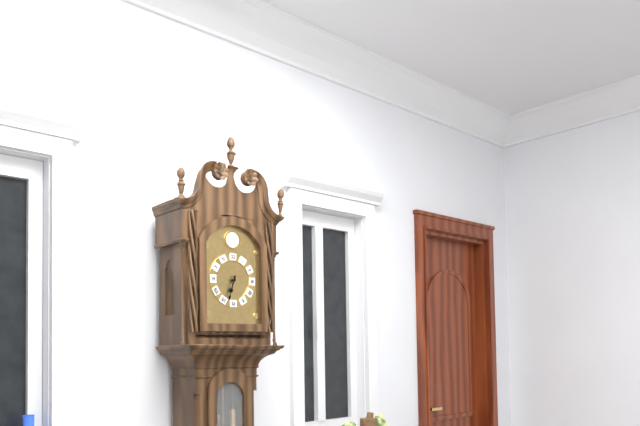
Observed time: 6.33
